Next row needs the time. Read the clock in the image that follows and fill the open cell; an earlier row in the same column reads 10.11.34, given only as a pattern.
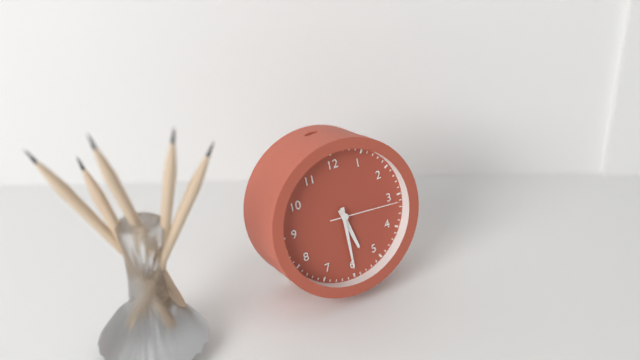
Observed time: 5.30.16
